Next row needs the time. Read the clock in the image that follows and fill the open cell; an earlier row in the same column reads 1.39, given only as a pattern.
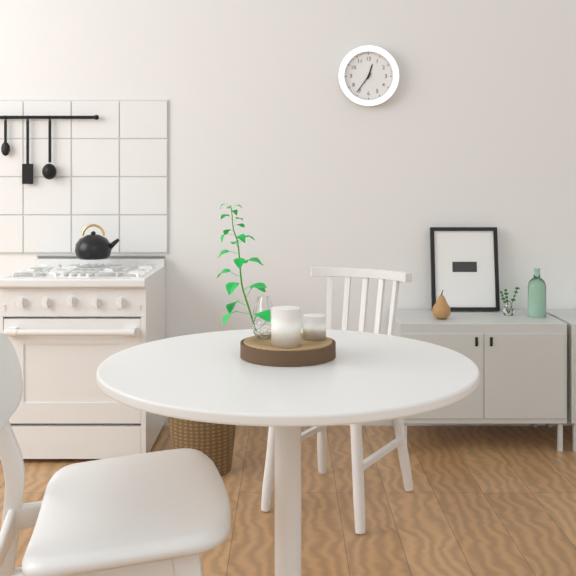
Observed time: 12.36
